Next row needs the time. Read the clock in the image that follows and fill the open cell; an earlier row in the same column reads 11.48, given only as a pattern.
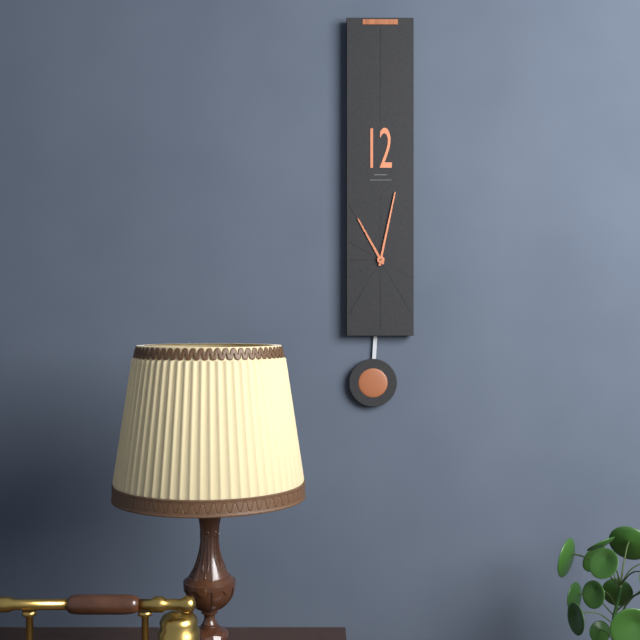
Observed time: 11.02
